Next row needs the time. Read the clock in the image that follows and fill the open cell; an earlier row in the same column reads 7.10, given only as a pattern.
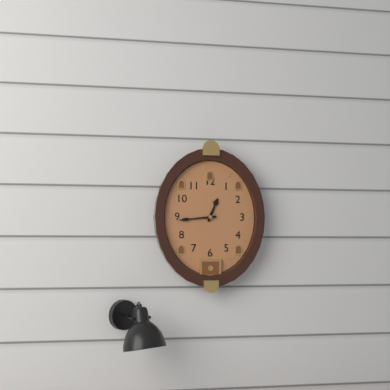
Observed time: 12.44
